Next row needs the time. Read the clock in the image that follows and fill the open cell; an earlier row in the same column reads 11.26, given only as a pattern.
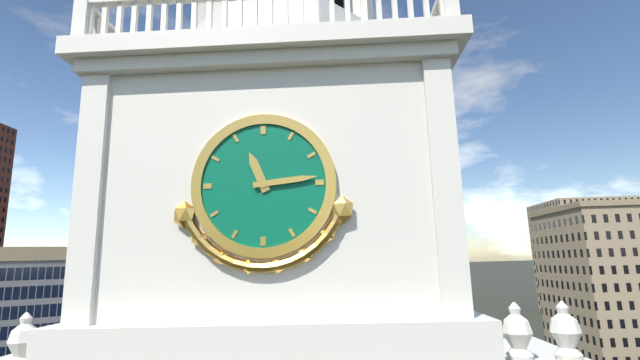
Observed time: 11.14
